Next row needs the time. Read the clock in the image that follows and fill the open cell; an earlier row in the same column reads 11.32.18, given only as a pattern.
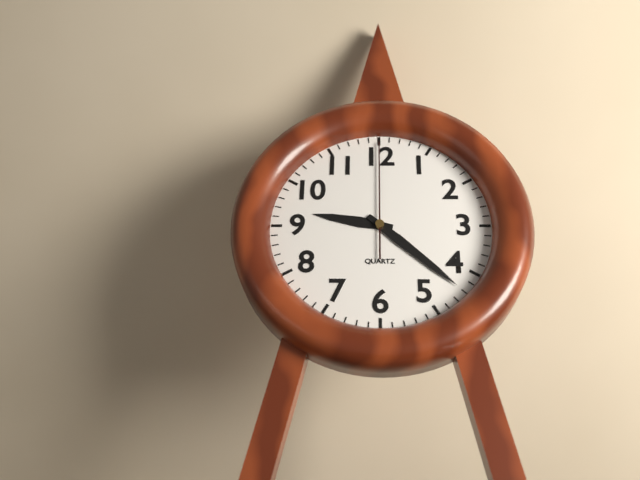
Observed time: 9.22.00
